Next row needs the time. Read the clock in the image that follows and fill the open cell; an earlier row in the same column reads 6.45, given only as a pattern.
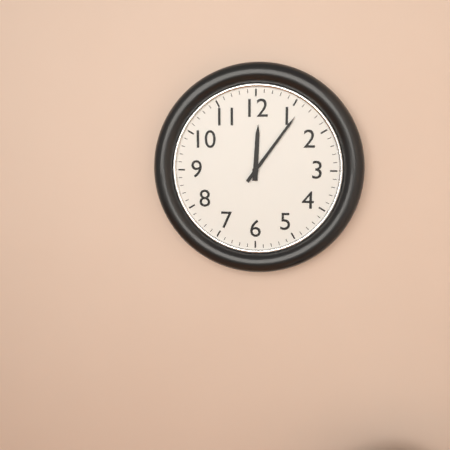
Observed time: 12.06
